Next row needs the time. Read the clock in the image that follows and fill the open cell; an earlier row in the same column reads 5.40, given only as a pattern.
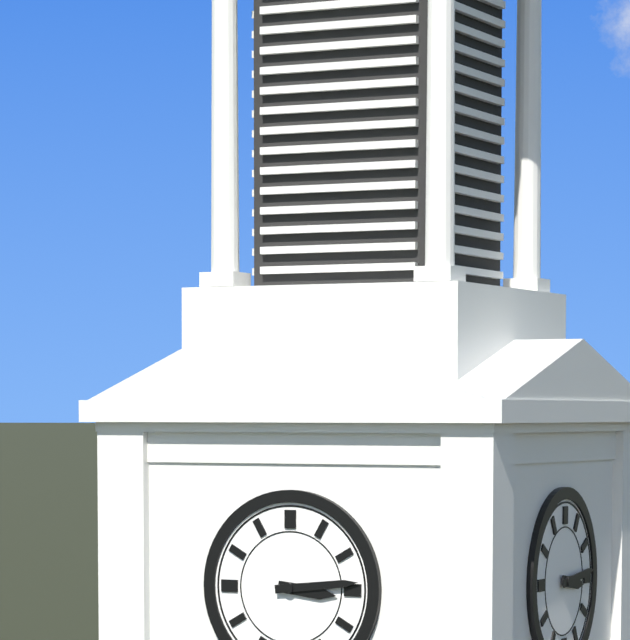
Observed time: 3.14
